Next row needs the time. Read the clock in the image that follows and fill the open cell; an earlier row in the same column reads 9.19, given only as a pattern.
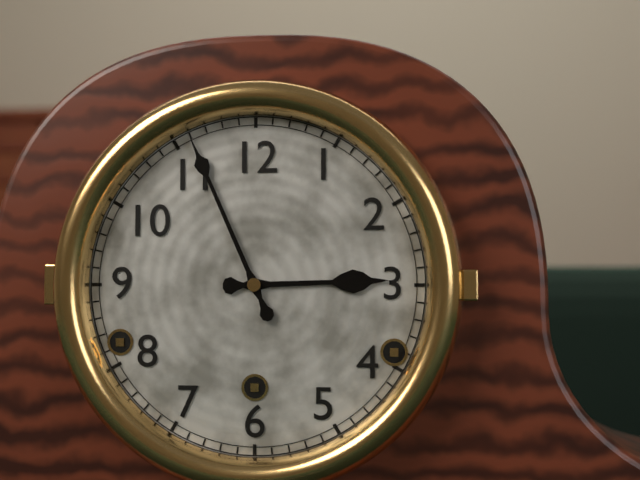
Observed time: 2.56
